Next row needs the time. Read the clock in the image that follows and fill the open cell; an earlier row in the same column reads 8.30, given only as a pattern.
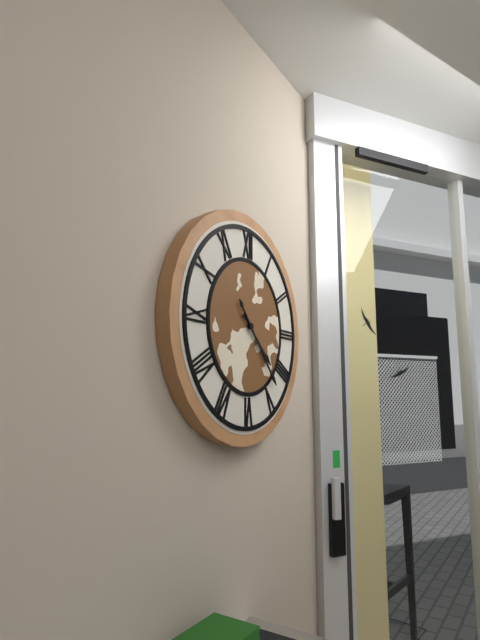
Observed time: 4.23
